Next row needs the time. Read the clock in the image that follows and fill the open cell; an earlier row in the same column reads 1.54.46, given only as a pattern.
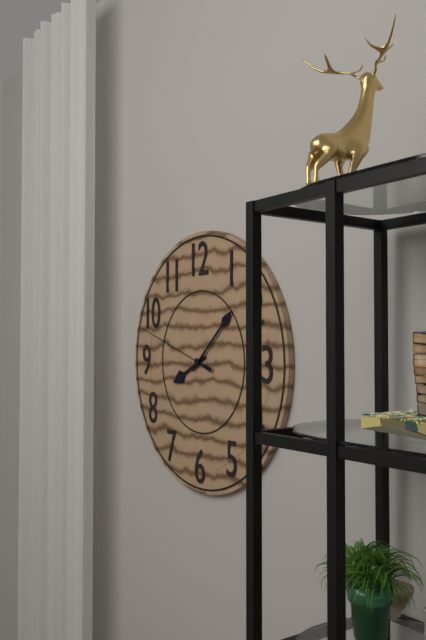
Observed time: 8.08.48
